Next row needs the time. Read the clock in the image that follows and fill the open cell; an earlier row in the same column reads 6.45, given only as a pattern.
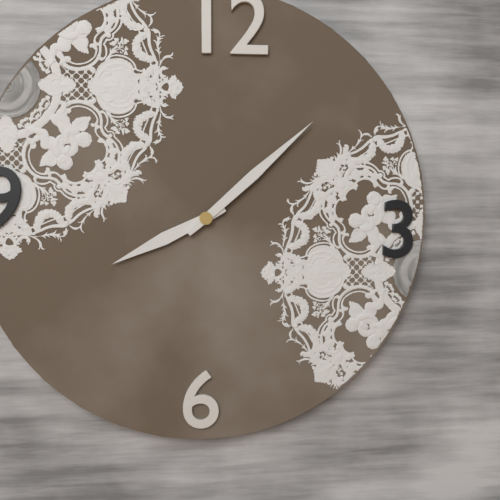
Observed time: 8.08
